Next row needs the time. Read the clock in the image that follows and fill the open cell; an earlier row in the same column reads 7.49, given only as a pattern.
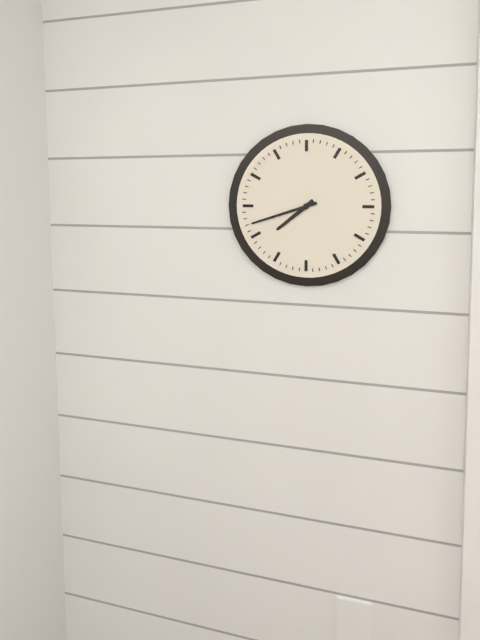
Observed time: 7.42
